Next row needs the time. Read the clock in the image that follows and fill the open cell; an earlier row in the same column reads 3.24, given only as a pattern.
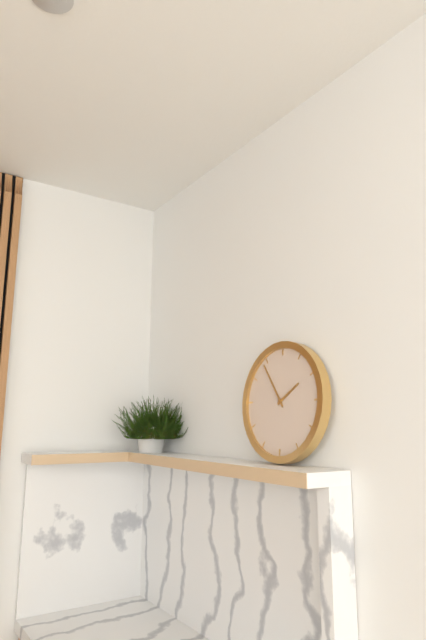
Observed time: 1.54
